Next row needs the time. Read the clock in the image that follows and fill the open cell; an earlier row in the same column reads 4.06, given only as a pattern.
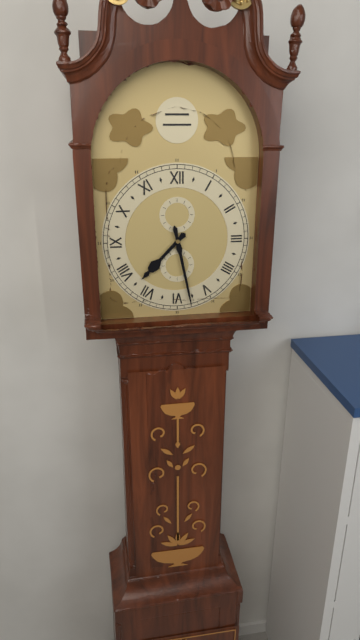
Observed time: 7.28
